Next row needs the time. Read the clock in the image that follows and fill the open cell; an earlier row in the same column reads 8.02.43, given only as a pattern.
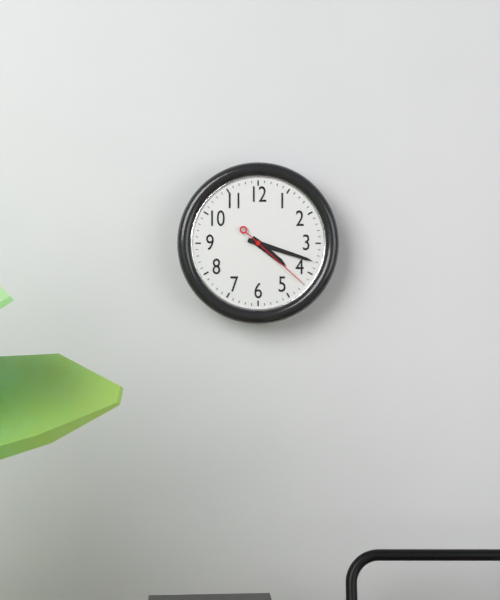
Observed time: 4.18.22
